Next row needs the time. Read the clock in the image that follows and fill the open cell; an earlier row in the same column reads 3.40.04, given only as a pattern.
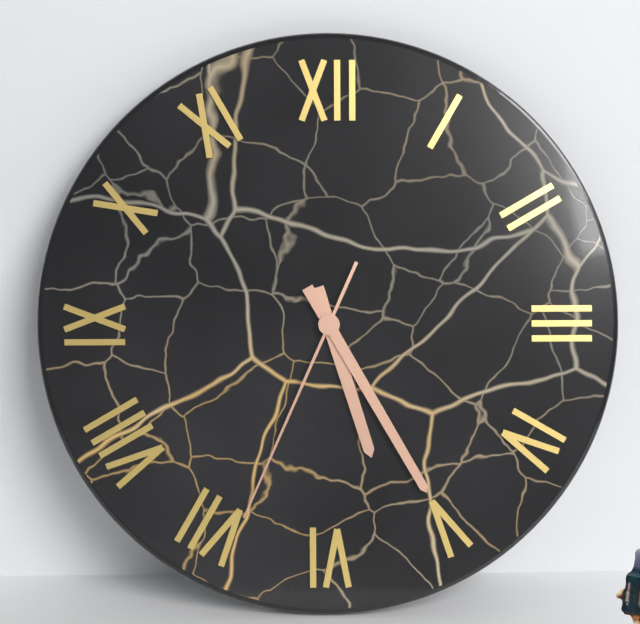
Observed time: 5.25.34
